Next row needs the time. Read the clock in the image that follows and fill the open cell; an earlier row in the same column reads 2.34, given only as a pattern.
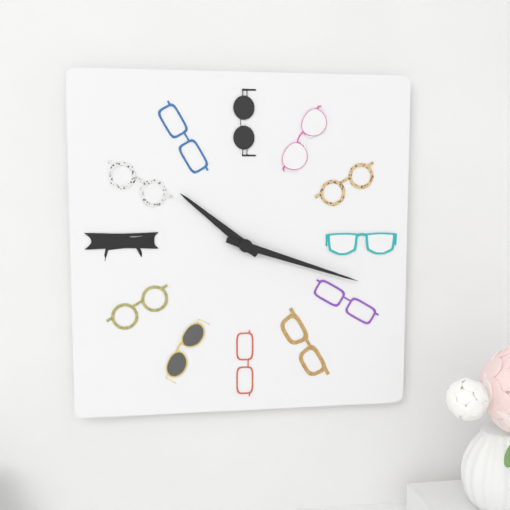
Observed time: 10.18
